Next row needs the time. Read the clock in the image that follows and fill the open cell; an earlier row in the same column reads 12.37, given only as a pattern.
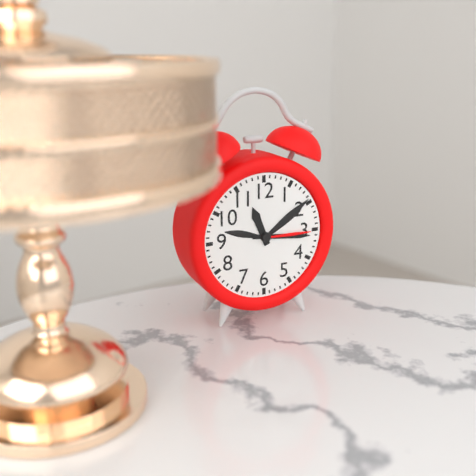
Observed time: 11.16
